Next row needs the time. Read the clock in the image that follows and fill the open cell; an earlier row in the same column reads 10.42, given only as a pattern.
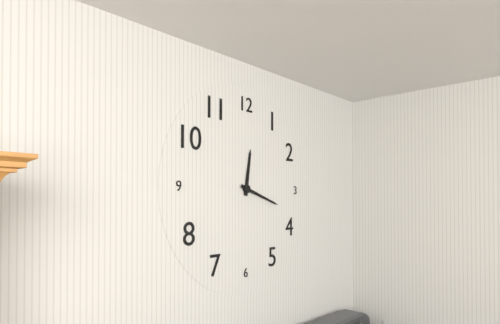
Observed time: 12.18
